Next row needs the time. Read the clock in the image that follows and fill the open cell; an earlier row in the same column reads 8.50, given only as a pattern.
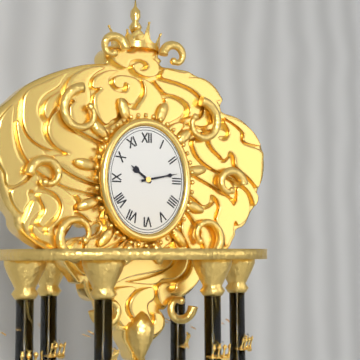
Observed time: 10.13
